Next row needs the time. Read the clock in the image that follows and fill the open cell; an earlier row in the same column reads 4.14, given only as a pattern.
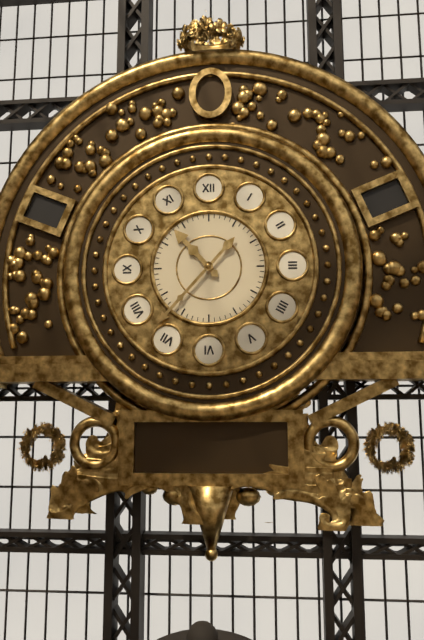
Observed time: 10.37
